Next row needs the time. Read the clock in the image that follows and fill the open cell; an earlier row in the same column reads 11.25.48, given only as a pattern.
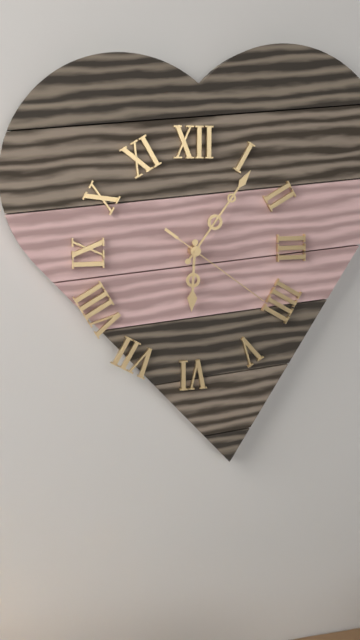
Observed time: 6.06.21
